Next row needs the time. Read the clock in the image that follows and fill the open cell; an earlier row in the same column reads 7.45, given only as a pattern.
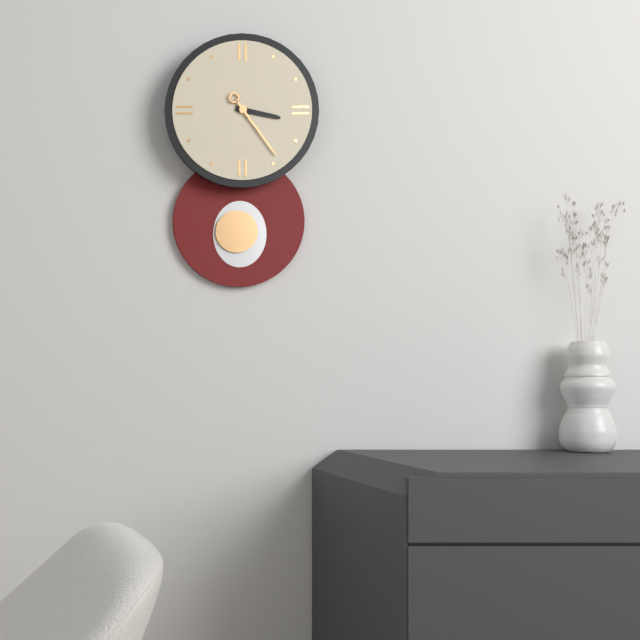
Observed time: 3.24
